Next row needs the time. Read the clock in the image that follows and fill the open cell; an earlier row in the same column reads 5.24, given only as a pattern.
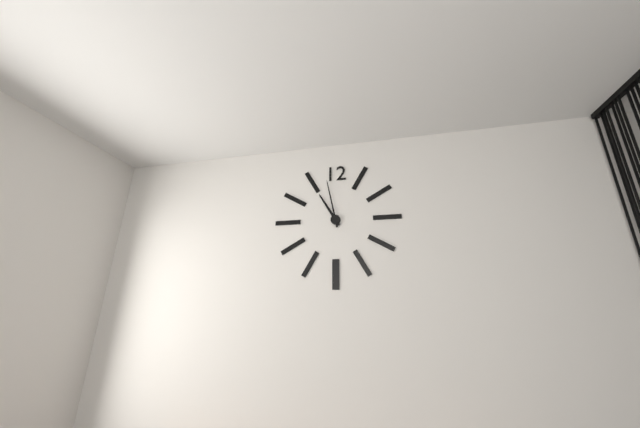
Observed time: 10.58
